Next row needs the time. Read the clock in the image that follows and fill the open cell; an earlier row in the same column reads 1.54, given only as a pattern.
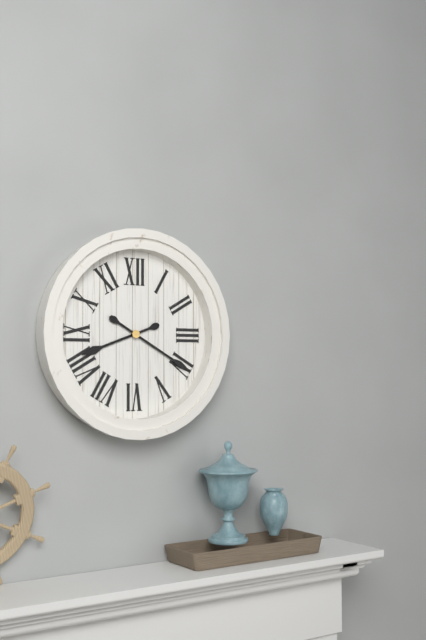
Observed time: 8.20
